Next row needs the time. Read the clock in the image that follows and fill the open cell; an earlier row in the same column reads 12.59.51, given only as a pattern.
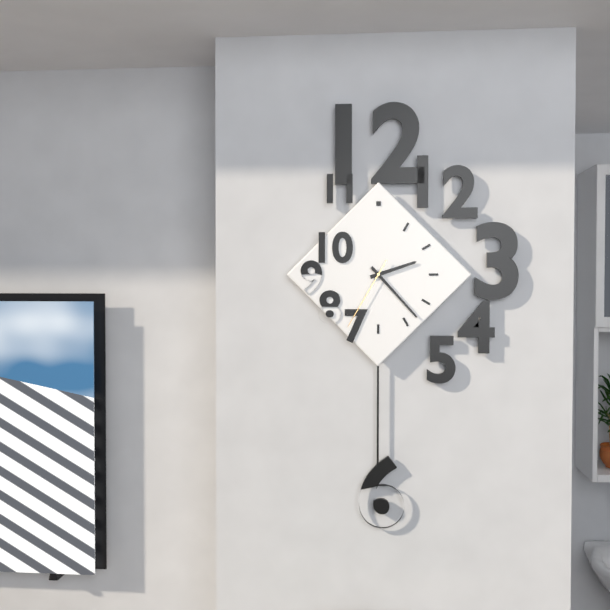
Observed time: 2.23.35
